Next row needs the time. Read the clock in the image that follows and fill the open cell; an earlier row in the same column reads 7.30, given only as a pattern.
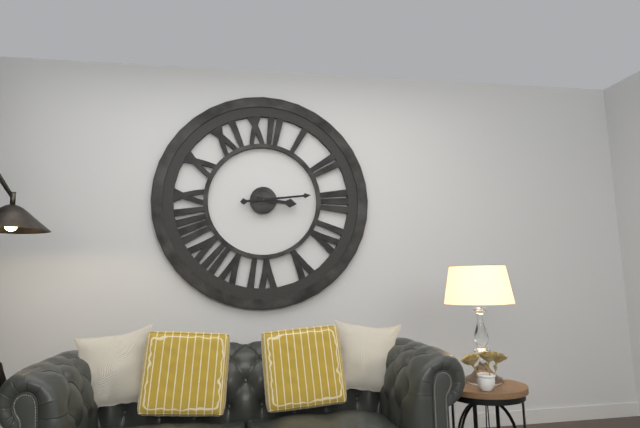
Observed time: 3.14
